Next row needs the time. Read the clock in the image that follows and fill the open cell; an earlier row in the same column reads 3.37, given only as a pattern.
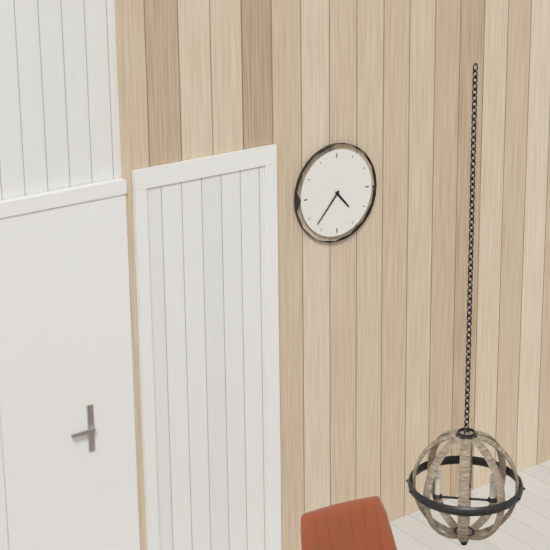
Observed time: 4.37
